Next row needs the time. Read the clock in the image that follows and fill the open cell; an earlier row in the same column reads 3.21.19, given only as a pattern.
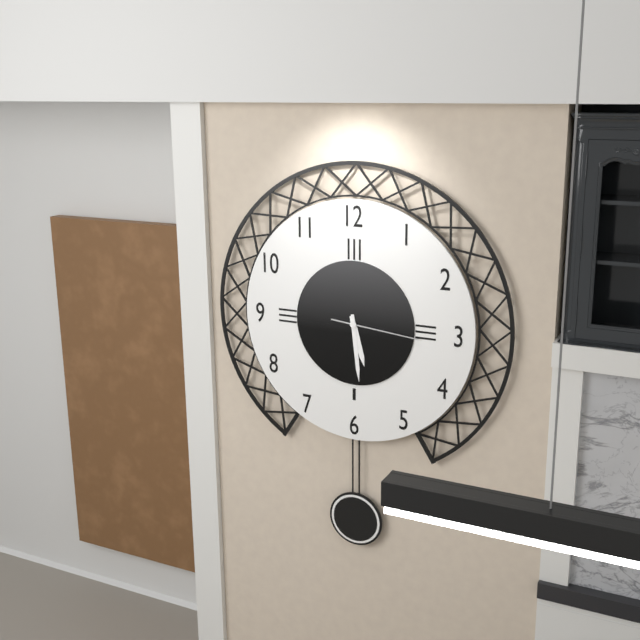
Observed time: 5.29.16
